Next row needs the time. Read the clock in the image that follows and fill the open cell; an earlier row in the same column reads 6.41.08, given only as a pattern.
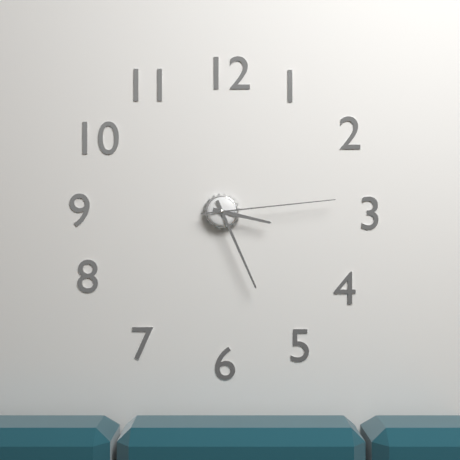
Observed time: 3.26.14
